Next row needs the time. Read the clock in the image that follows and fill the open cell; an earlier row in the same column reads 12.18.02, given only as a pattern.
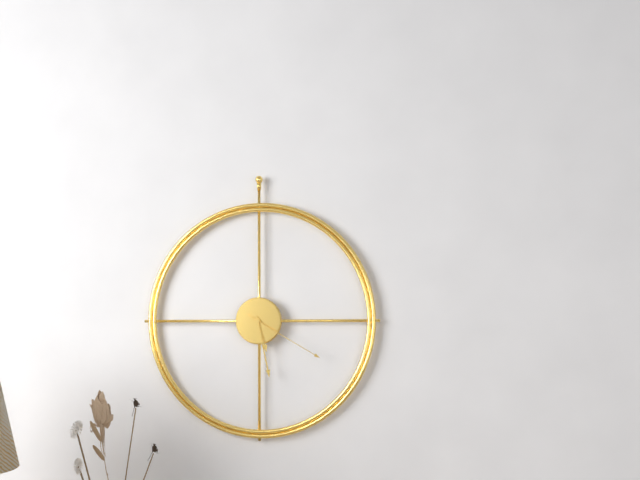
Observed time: 5.28.20
